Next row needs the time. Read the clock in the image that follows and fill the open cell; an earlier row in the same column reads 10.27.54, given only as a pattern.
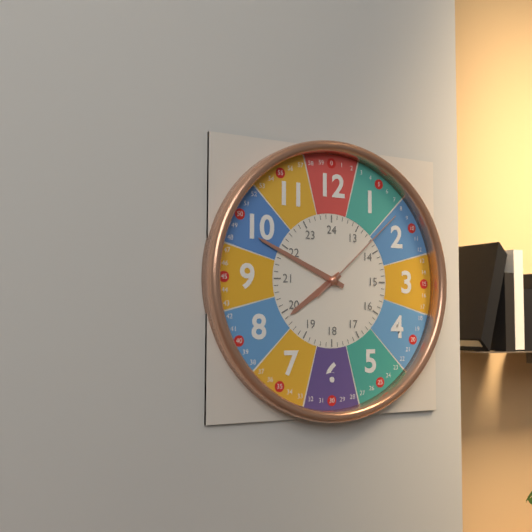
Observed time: 7.49.08
